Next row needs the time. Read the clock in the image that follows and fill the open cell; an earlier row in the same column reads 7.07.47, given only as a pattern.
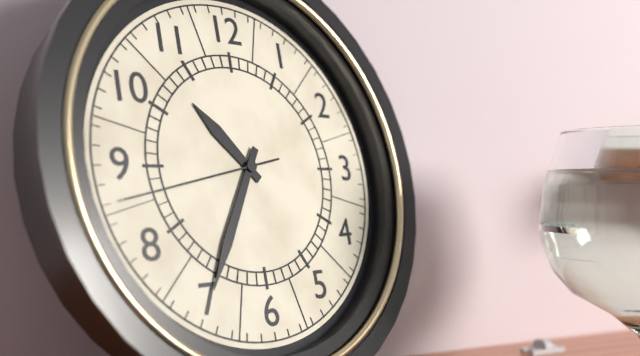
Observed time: 10.35.43
